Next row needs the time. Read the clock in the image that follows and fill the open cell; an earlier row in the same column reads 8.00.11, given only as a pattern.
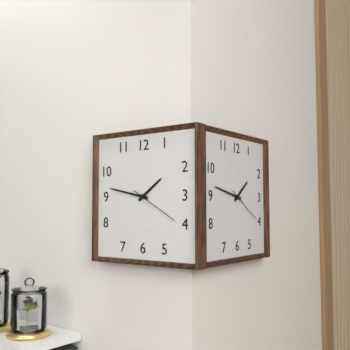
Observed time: 1.47.20
